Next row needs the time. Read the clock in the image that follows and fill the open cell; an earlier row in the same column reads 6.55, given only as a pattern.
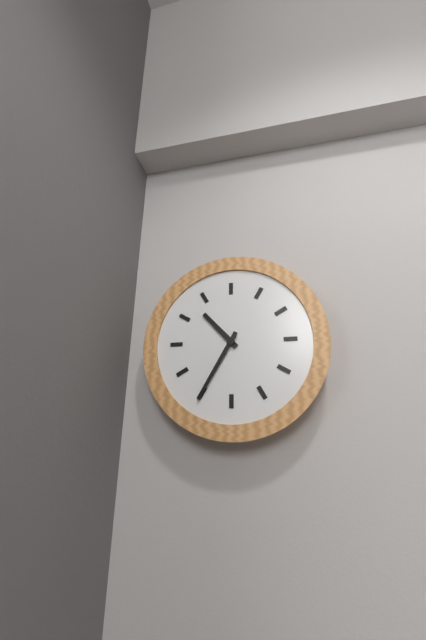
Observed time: 10.35
